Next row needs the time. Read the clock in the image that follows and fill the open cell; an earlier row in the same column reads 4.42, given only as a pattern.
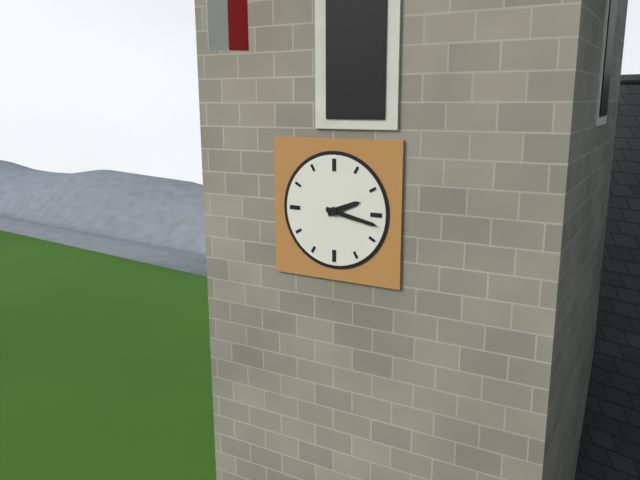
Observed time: 2.17
